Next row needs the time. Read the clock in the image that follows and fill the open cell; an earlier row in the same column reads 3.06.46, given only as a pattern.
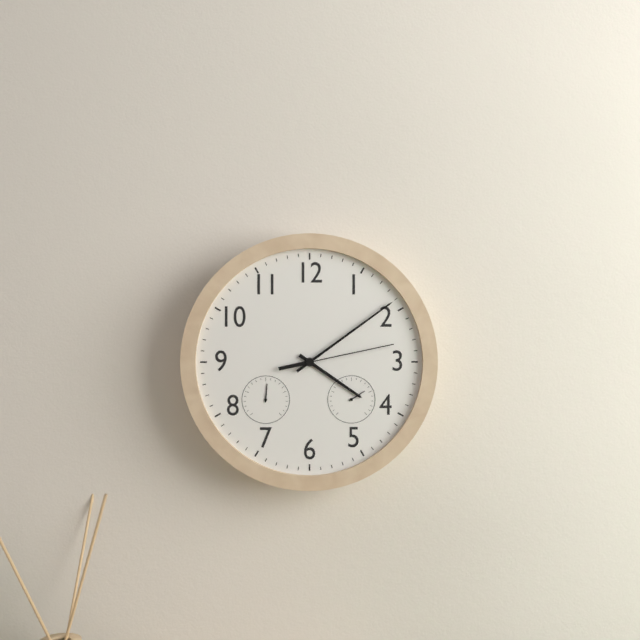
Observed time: 4.09.13
